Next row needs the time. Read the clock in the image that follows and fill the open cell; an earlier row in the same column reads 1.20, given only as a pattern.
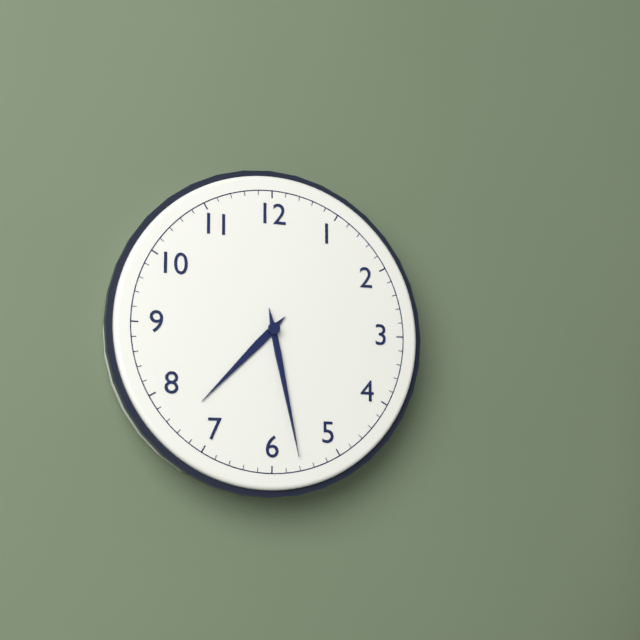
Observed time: 7.28
